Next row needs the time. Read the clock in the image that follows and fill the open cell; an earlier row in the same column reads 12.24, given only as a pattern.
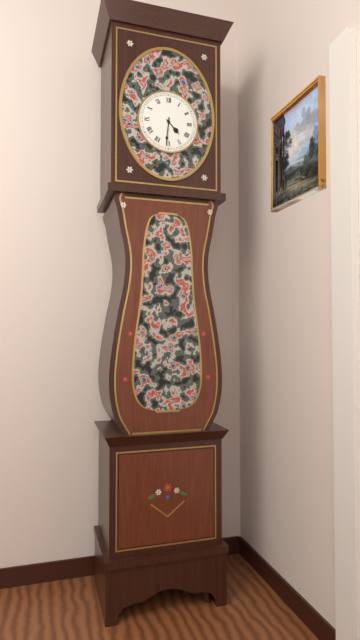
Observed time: 4.31
